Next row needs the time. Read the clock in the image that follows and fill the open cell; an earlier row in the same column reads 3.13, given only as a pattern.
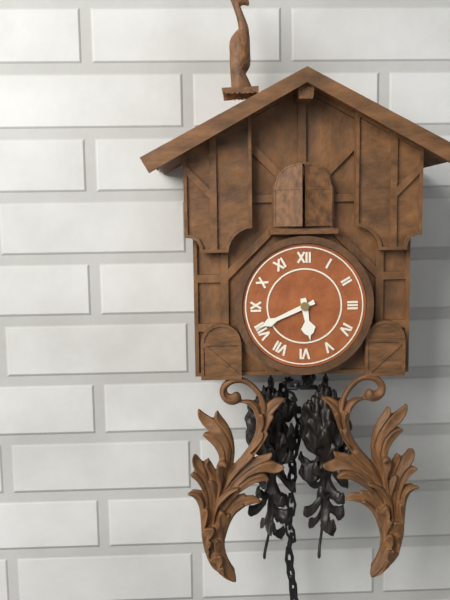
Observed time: 5.41
